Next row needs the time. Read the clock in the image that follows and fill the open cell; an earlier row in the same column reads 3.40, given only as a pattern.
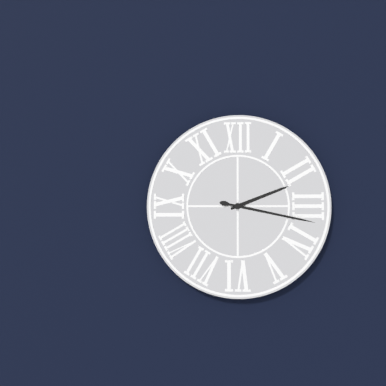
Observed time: 2.17
